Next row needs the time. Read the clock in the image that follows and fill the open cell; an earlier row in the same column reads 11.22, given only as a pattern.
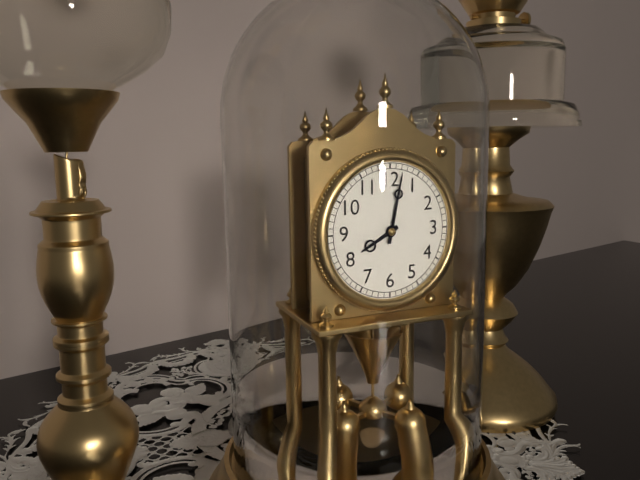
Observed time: 8.02
